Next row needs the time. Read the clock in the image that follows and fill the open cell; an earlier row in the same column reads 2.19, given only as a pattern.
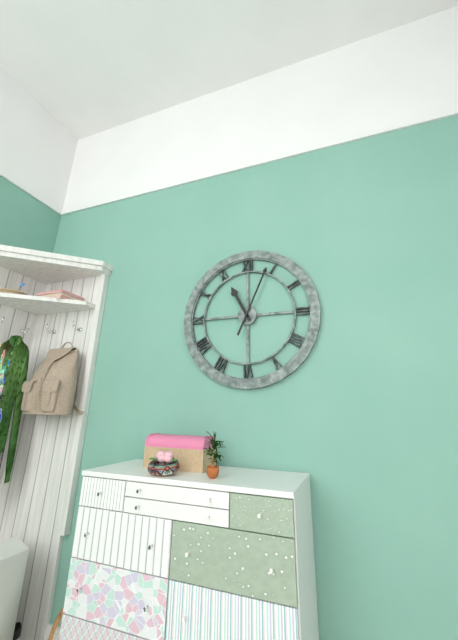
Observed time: 11.04
